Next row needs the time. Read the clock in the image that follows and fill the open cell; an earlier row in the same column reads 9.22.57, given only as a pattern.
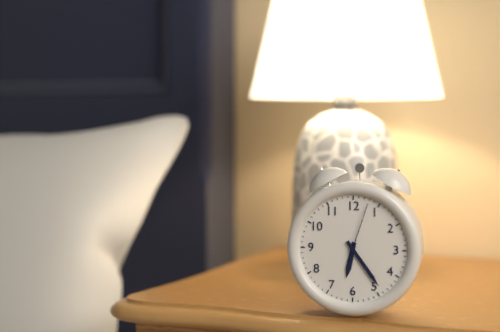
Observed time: 6.24.03
